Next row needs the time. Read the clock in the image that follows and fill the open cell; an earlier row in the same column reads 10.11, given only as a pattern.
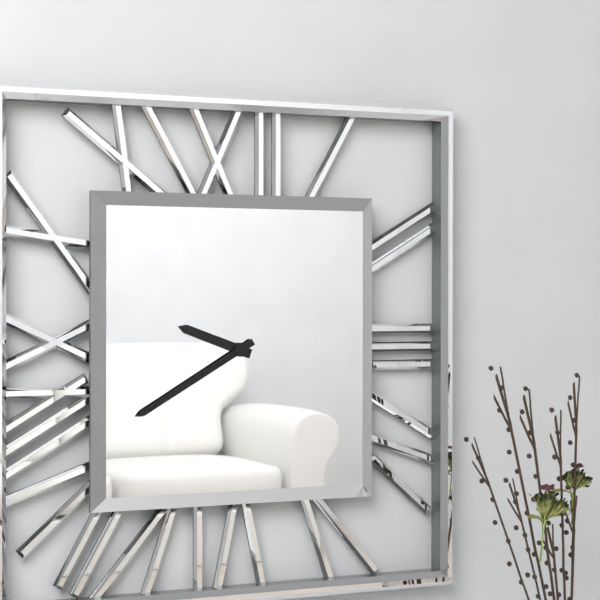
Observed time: 9.40
